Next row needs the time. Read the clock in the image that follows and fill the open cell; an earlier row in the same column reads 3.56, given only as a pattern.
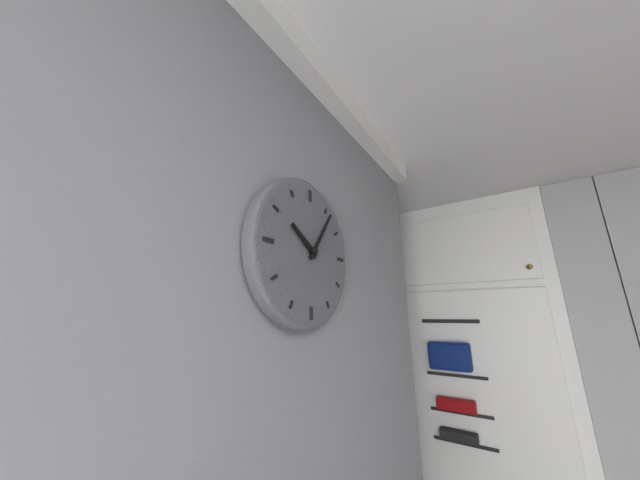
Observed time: 10.06
